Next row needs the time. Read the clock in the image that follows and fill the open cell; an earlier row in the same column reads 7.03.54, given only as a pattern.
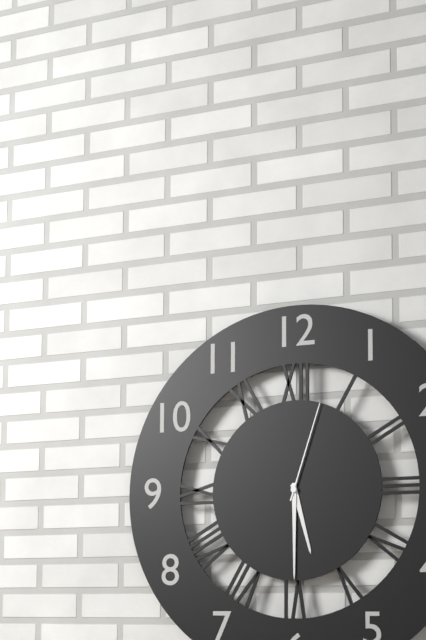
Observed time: 5.30.03
